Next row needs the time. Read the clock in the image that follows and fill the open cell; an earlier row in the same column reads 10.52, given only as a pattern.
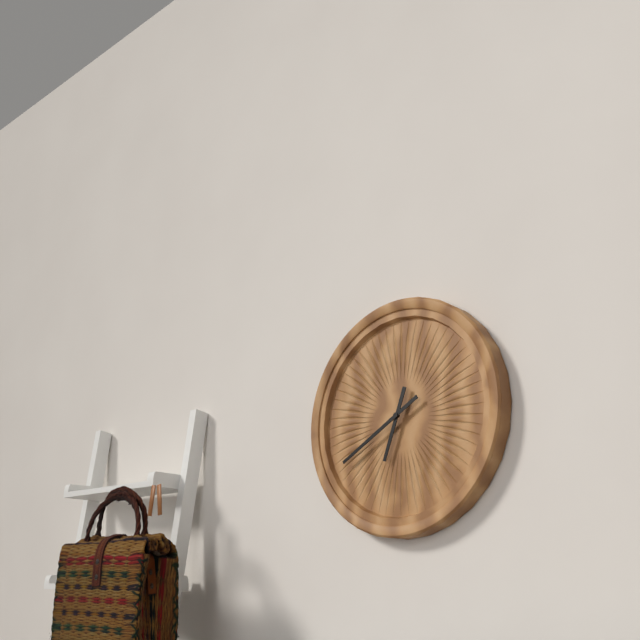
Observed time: 6.40
